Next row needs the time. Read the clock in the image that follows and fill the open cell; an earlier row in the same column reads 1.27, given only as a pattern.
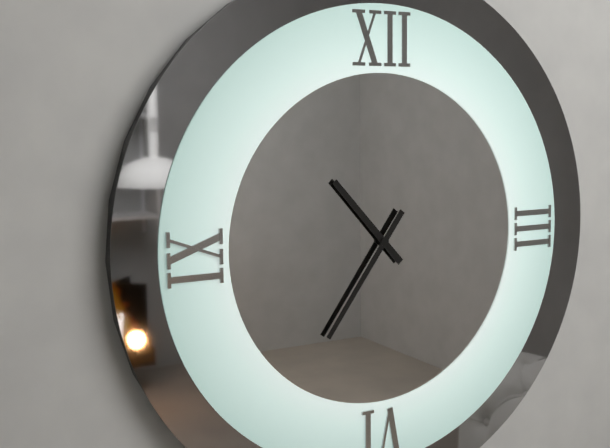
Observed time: 10.36
